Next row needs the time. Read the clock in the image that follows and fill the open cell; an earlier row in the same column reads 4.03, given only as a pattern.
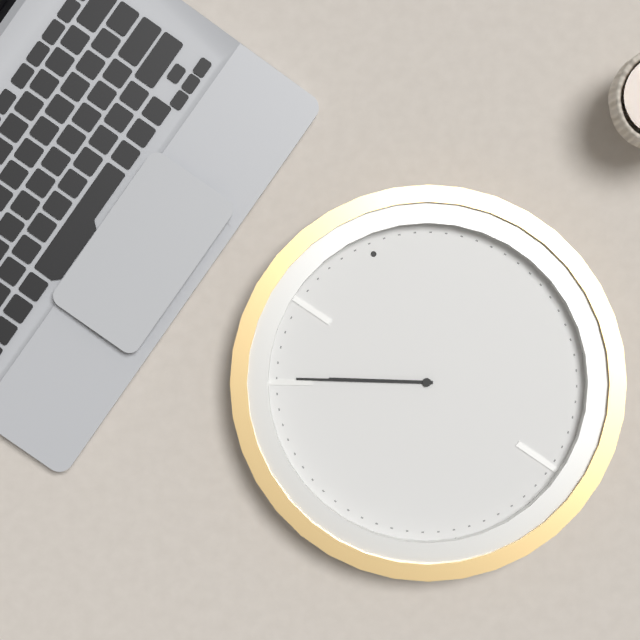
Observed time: 9.49
